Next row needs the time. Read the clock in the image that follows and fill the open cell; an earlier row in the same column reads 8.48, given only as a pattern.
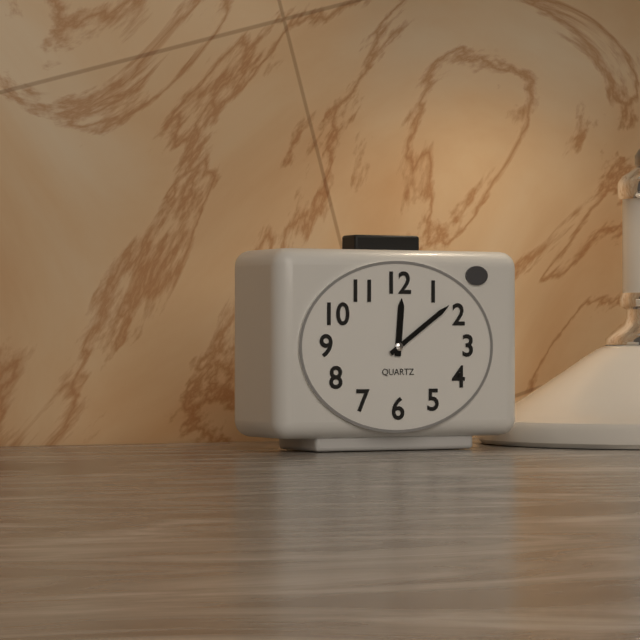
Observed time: 12.09
